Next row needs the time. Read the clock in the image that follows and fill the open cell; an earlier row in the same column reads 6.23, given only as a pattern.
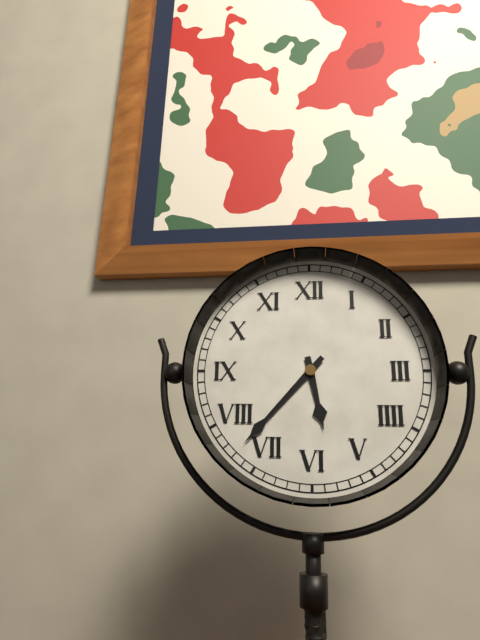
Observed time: 5.37
